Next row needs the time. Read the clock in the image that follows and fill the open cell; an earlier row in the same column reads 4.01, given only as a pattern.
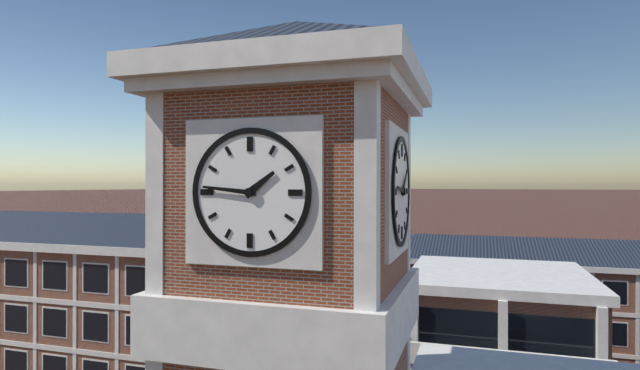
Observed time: 1.46
